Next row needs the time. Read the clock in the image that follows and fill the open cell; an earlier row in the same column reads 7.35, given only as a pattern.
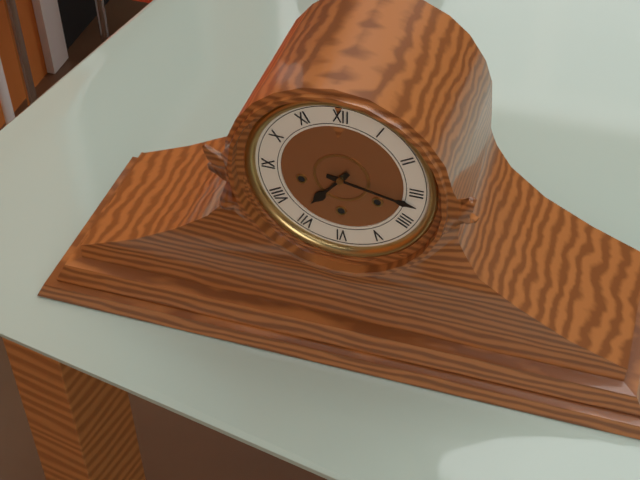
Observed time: 7.17
